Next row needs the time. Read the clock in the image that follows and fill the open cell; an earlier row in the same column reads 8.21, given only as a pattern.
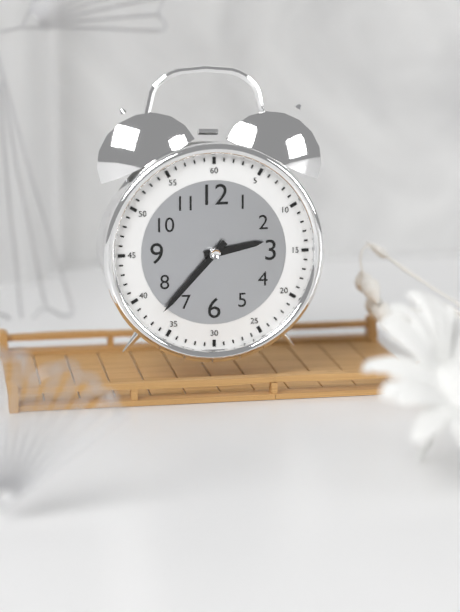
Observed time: 2.37
